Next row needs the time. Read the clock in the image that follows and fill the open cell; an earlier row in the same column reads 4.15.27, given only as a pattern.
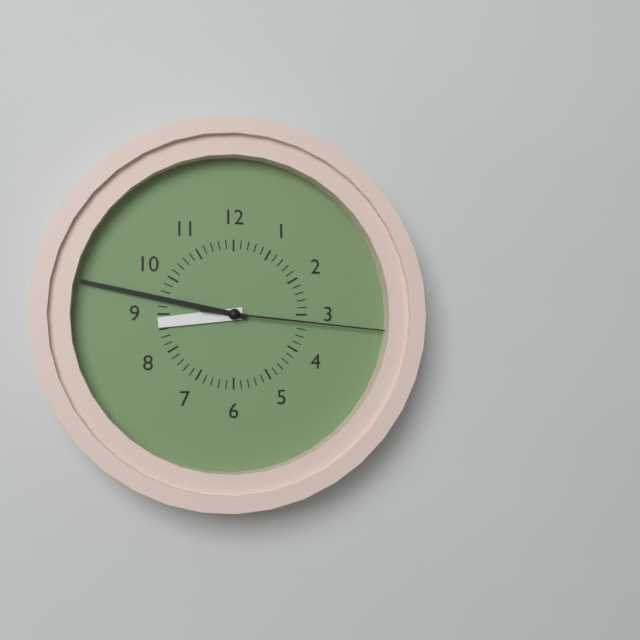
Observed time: 8.47.16
